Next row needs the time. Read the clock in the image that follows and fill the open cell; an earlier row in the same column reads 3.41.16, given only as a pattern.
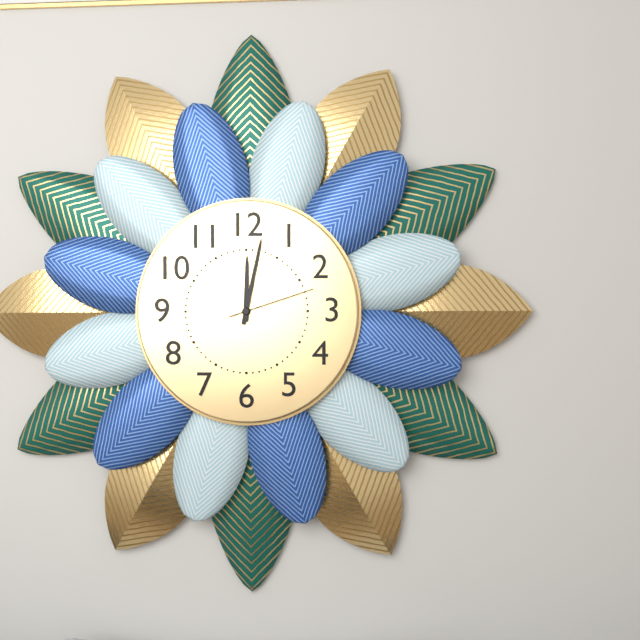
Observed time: 12.02.12
